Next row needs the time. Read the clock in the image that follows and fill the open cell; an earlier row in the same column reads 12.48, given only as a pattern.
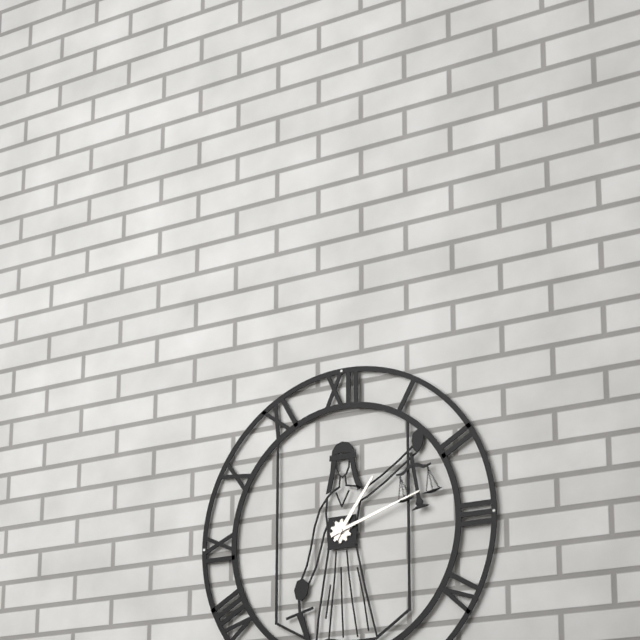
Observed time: 1.12
